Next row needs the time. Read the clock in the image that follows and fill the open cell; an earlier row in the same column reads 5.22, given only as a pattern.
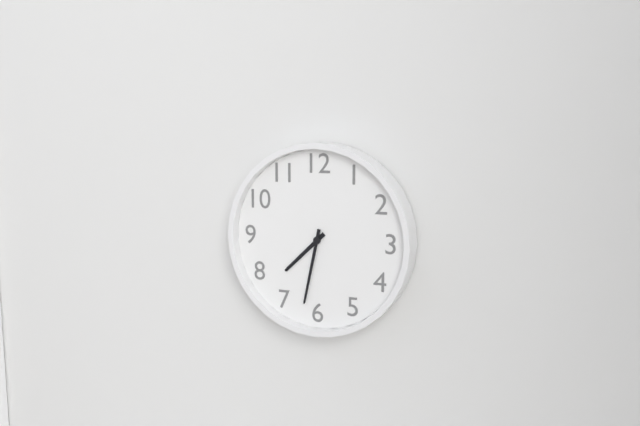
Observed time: 7.32
